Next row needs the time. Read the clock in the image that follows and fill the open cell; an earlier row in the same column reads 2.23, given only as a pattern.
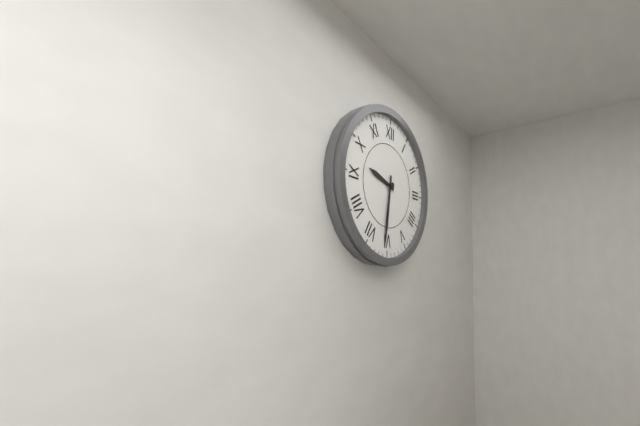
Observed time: 9.31
